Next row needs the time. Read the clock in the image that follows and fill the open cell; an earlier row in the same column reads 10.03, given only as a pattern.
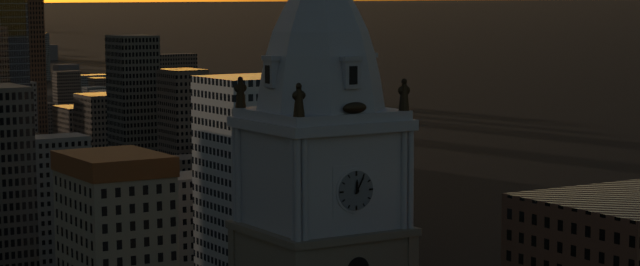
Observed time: 12.05
